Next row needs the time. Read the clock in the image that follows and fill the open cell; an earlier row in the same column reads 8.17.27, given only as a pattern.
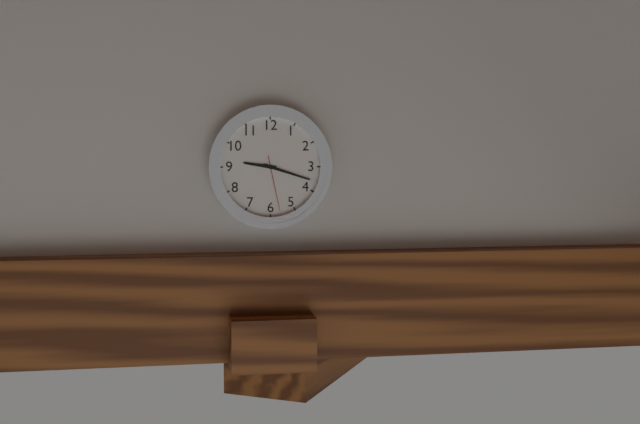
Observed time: 9.18.28
